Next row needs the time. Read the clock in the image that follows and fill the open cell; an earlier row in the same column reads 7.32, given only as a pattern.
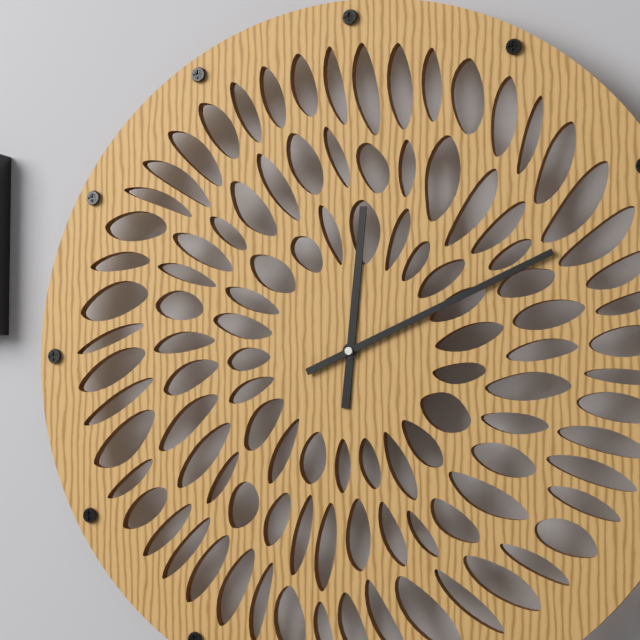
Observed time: 12.11
